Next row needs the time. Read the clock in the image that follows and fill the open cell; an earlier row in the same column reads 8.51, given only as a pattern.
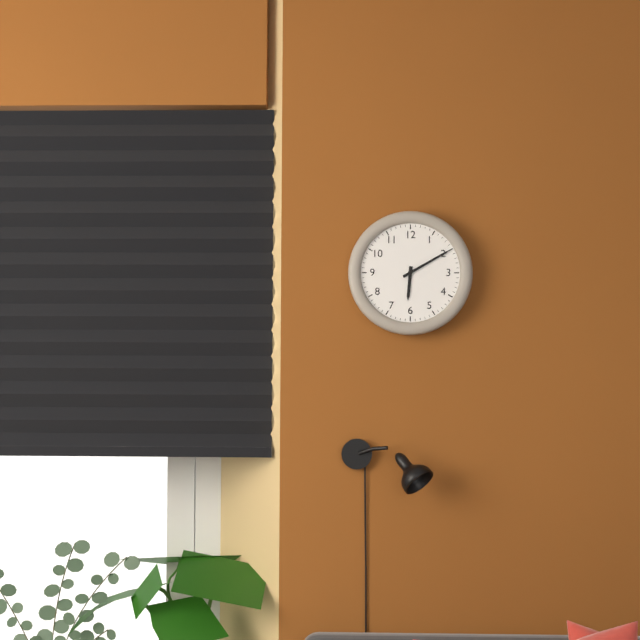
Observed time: 6.10
